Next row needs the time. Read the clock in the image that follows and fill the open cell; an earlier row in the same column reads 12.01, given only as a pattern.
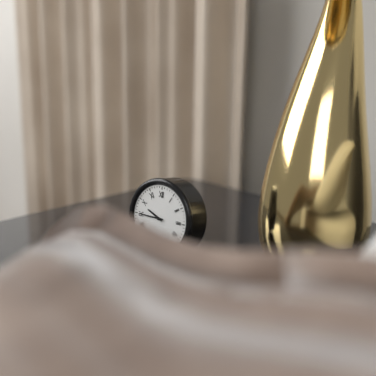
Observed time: 9.45
